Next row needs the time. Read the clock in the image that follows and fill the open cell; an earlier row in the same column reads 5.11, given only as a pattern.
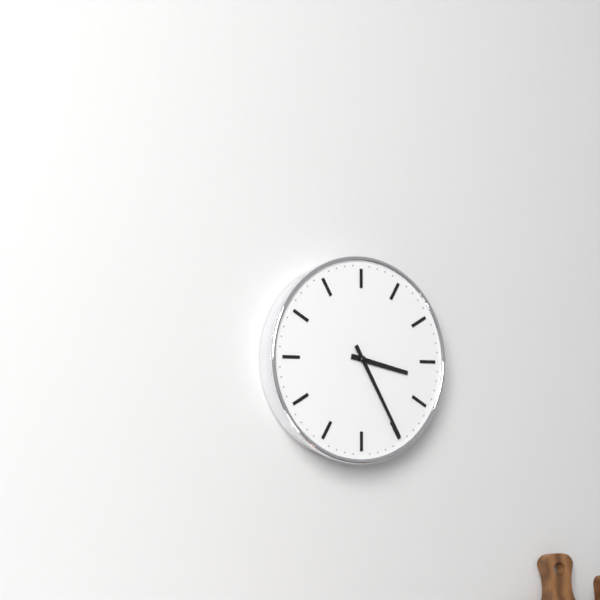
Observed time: 3.25
